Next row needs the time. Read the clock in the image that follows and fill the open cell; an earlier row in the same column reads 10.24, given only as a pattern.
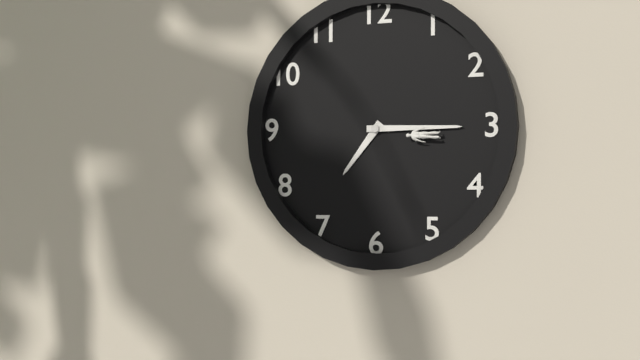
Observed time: 7.15
